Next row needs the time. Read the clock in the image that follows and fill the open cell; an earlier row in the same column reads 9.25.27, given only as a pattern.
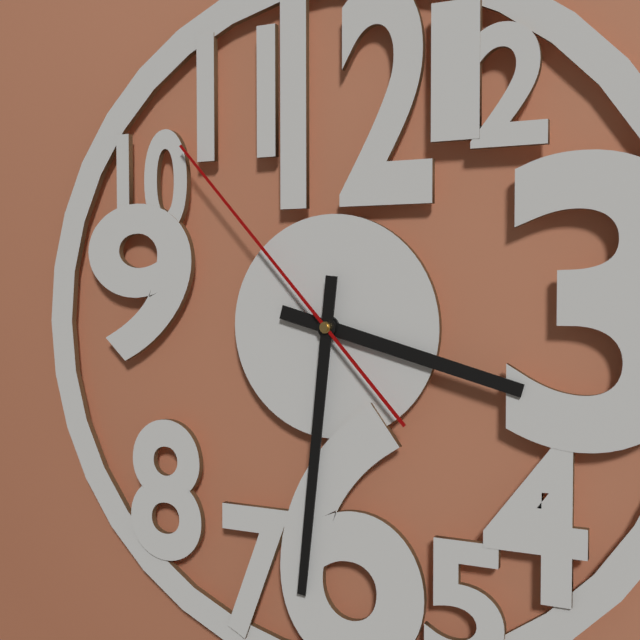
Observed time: 3.31.53
